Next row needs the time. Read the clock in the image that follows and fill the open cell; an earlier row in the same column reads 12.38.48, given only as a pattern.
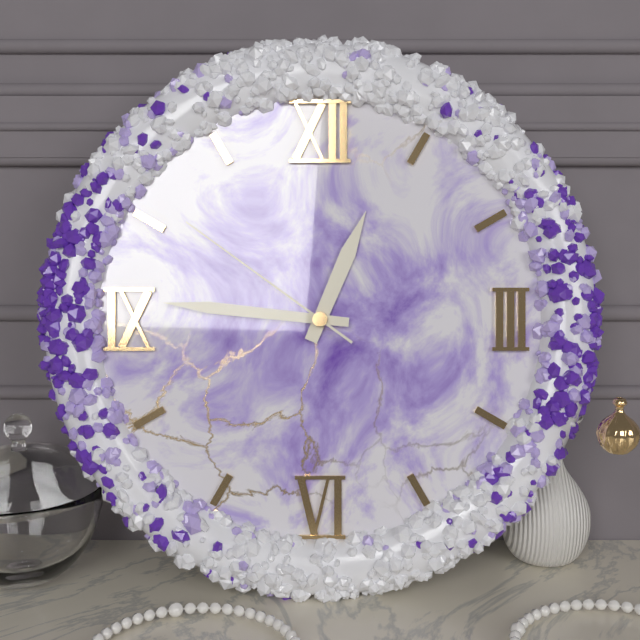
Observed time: 12.46.51
